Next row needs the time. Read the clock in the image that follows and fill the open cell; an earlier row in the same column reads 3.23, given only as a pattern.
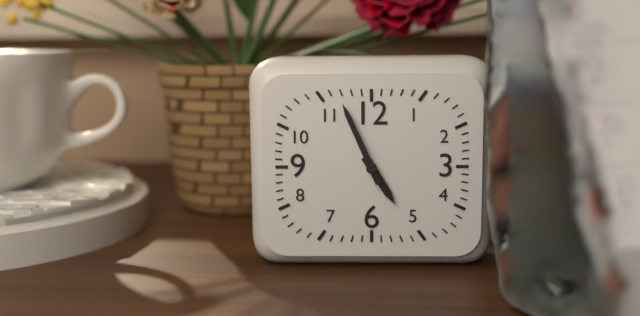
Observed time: 4.56
